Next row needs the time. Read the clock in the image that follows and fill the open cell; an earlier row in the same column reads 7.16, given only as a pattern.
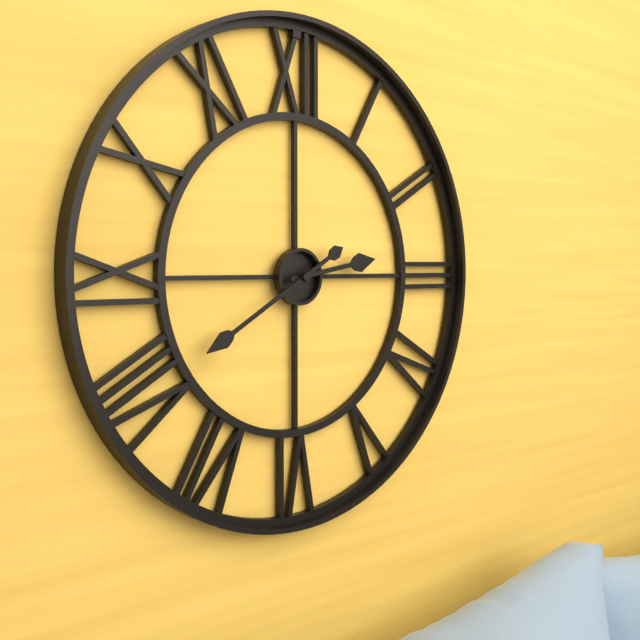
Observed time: 2.40
